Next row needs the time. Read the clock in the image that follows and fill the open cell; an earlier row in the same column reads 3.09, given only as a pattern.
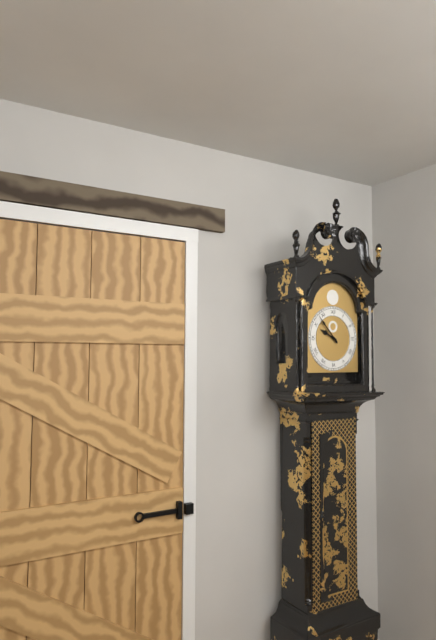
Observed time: 9.53
